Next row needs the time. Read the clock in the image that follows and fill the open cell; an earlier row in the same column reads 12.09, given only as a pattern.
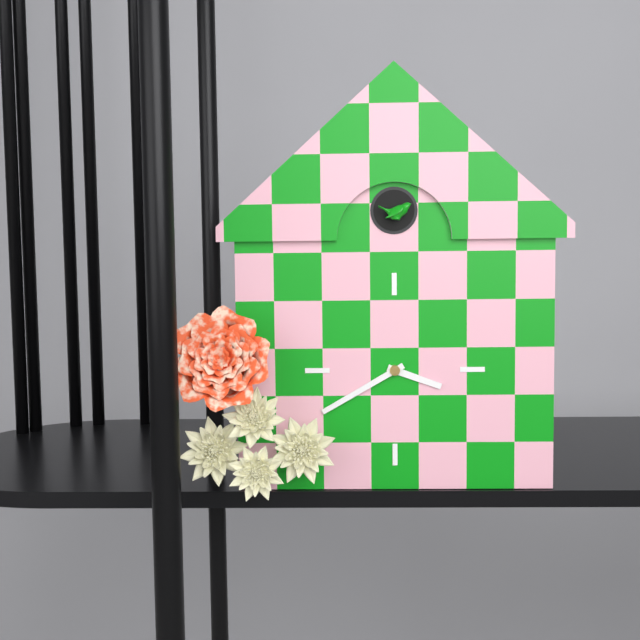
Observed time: 3.40
